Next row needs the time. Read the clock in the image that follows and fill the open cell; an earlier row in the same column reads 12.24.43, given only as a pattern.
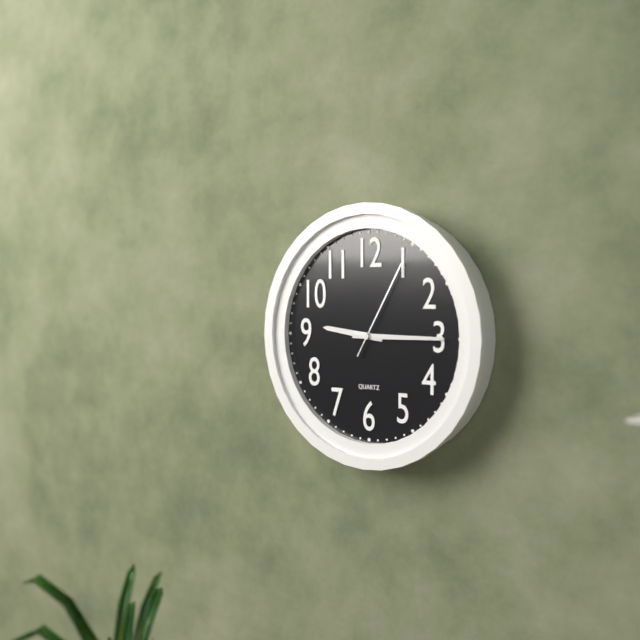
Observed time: 9.15.05
